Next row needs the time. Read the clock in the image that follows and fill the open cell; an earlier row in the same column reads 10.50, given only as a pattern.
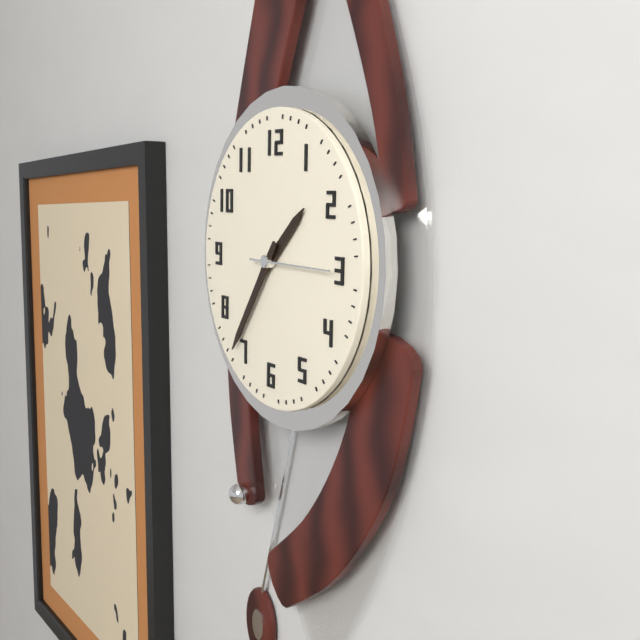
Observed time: 1.36
